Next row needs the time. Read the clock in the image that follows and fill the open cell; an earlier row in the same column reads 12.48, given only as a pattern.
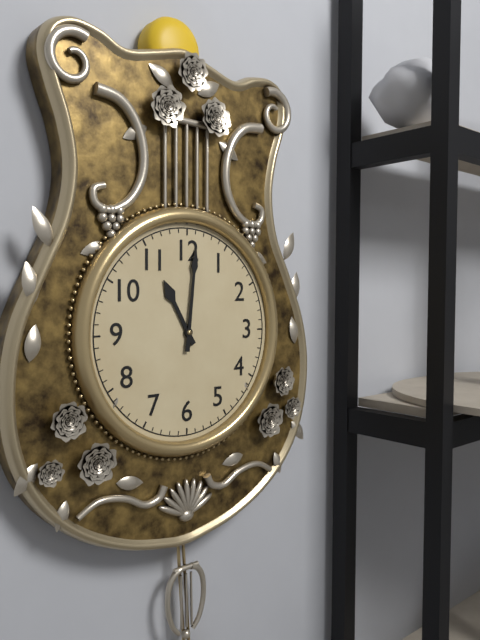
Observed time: 11.01
